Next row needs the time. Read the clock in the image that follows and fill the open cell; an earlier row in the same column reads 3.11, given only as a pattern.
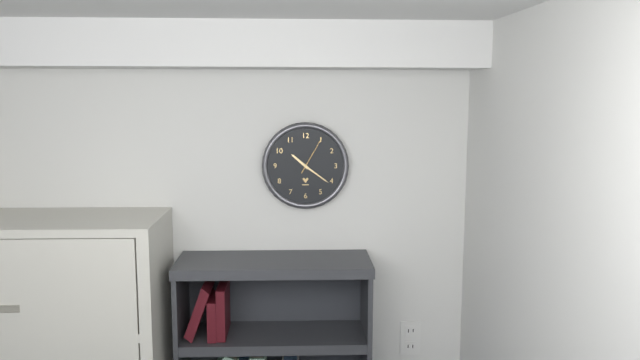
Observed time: 10.21
